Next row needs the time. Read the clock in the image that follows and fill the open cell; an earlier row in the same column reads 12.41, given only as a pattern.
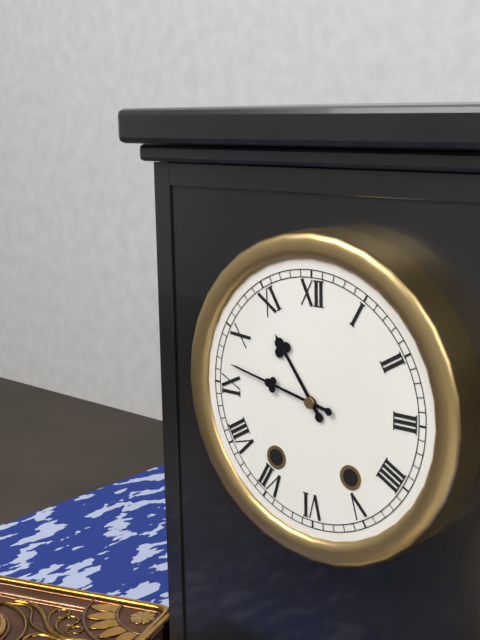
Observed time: 10.47
